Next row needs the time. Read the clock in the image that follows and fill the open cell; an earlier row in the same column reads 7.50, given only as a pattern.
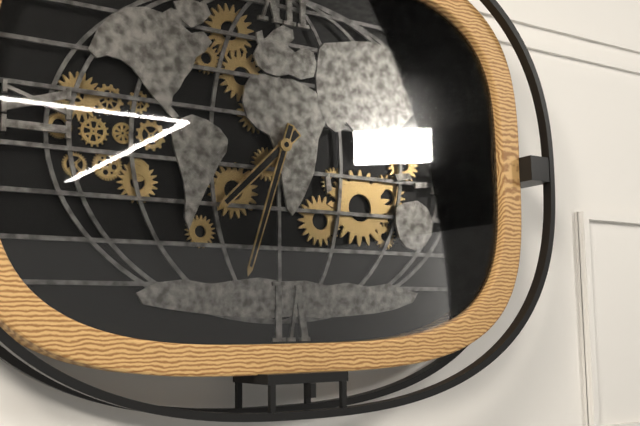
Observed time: 7.33
